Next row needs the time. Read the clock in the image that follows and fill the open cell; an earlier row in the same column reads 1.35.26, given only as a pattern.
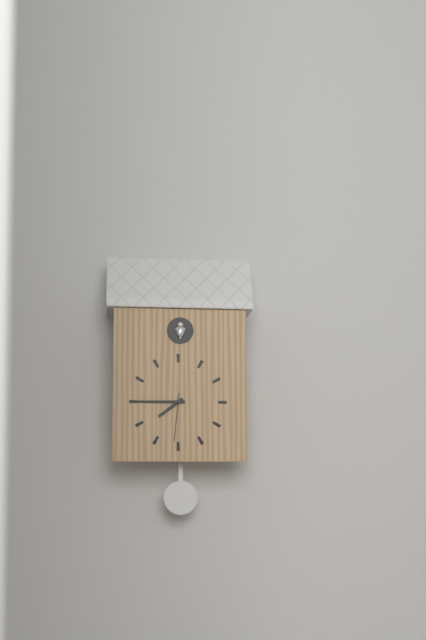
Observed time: 7.45.31
